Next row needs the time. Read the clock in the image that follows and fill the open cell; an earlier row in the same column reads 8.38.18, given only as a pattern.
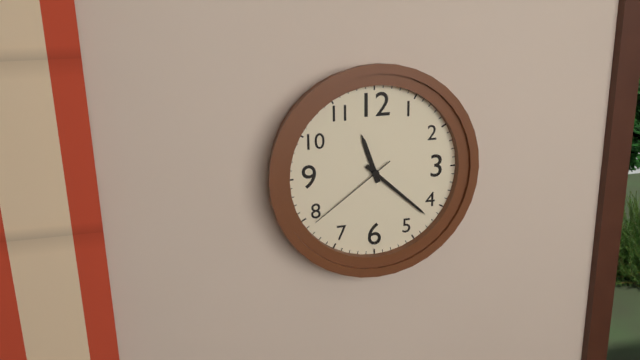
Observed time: 11.22.39
